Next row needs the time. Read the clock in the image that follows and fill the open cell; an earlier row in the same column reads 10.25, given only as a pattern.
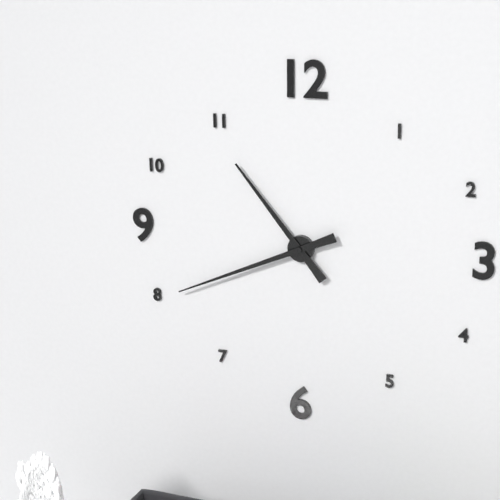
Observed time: 10.41
